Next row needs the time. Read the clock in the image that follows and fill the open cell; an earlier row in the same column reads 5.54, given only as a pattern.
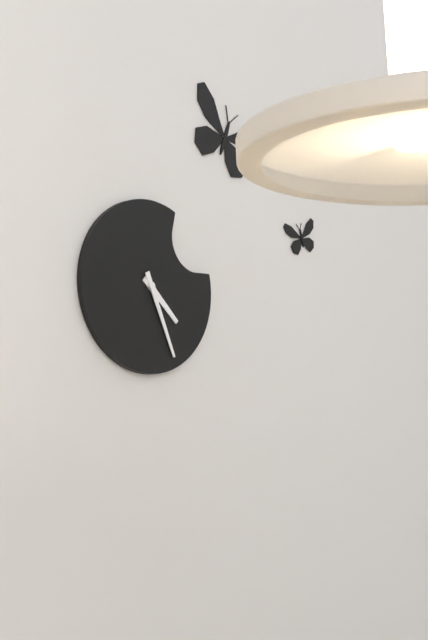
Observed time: 4.26
